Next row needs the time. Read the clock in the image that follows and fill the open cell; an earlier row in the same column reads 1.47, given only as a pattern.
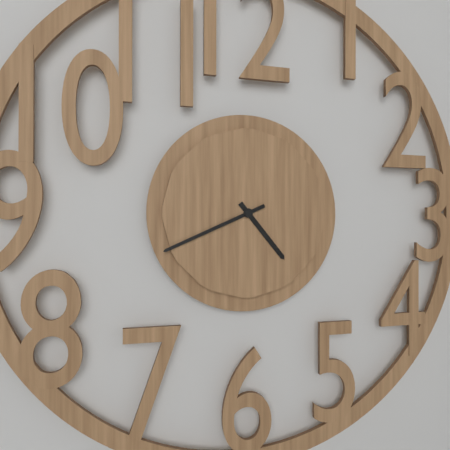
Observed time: 4.41
